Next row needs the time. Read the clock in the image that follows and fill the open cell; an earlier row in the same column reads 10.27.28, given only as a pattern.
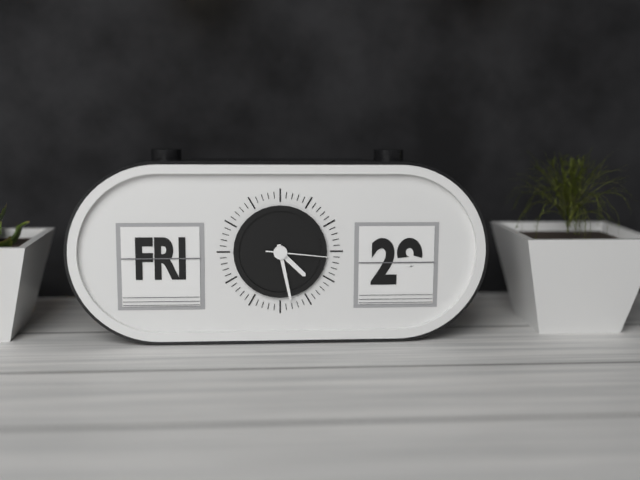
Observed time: 4.28.16
